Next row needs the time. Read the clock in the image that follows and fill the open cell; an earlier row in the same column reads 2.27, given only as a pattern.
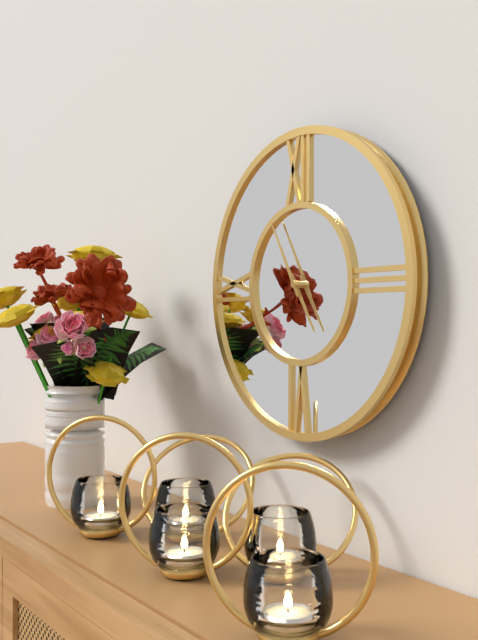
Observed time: 4.55
